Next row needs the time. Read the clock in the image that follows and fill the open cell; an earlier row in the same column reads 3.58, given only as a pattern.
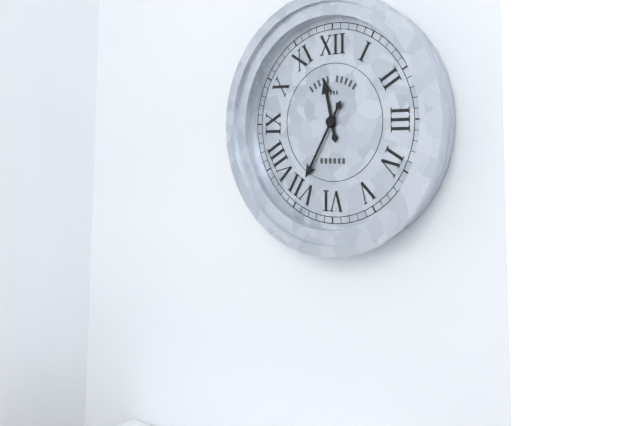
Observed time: 11.35
